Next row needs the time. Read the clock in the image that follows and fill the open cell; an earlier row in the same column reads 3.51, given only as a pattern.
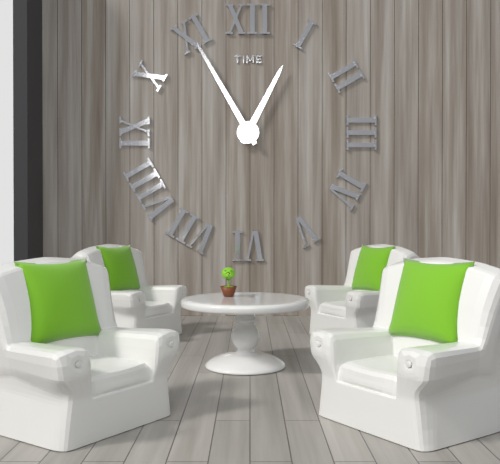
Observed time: 12.55
